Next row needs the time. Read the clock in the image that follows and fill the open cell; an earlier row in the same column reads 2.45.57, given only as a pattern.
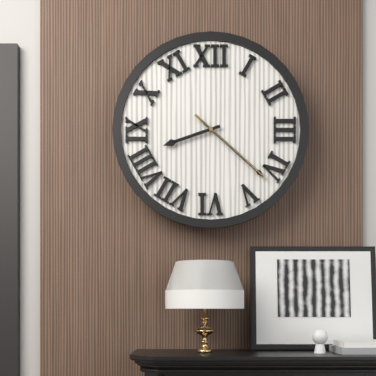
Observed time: 8.22.22
